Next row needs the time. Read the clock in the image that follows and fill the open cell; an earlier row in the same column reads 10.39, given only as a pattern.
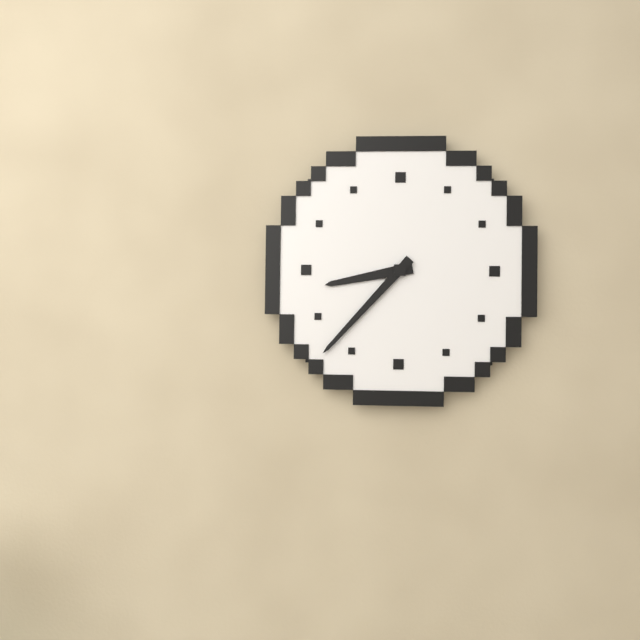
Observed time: 8.37
